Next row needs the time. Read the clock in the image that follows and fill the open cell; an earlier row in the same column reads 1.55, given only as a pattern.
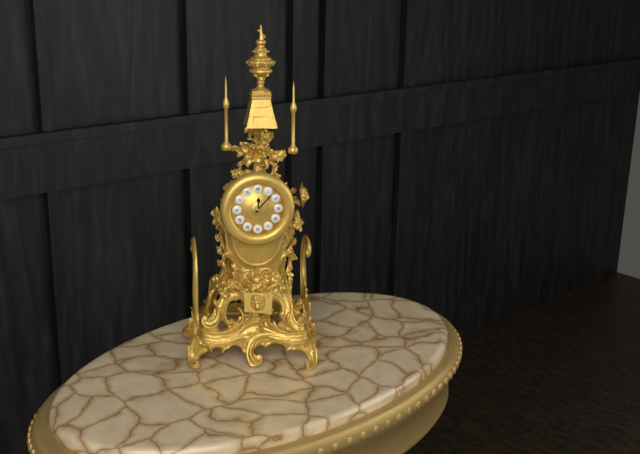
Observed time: 12.07
